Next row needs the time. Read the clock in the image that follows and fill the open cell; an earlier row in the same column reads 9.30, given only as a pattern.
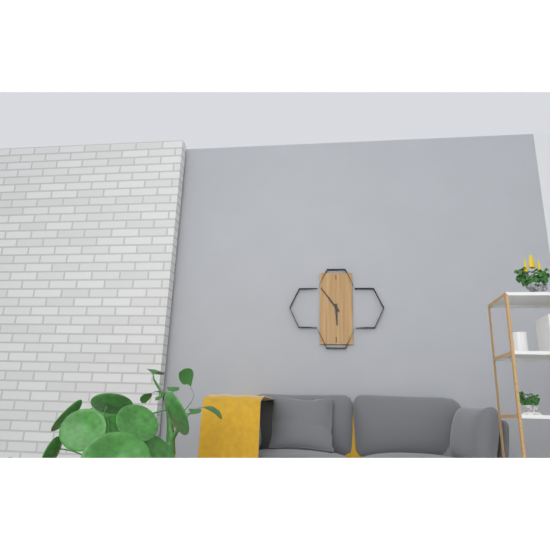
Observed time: 5.54
